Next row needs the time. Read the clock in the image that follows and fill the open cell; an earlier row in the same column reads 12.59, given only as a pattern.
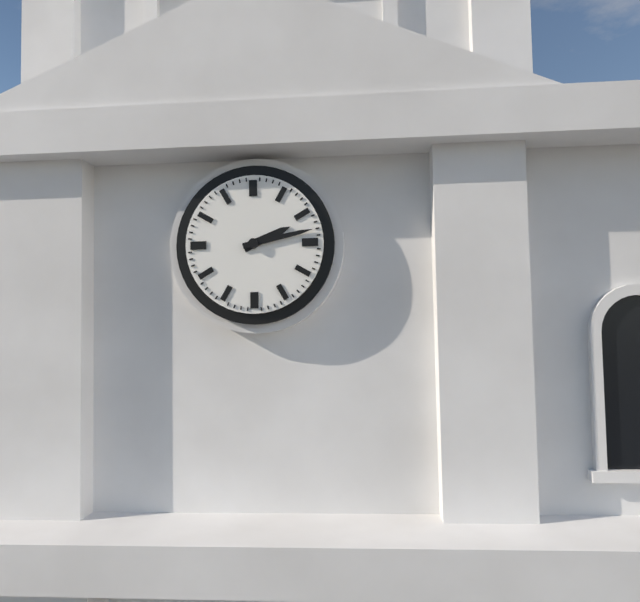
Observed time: 2.13
